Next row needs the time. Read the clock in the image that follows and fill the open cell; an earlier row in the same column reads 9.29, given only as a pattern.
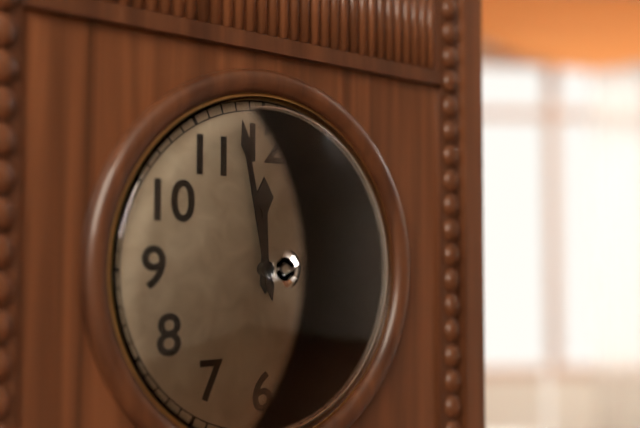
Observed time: 11.58
